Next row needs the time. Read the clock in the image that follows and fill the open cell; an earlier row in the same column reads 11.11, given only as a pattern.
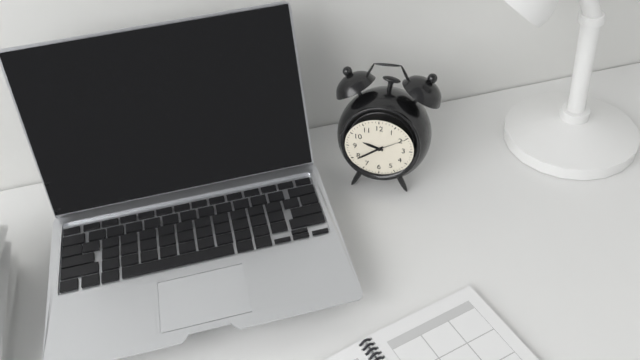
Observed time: 9.39
